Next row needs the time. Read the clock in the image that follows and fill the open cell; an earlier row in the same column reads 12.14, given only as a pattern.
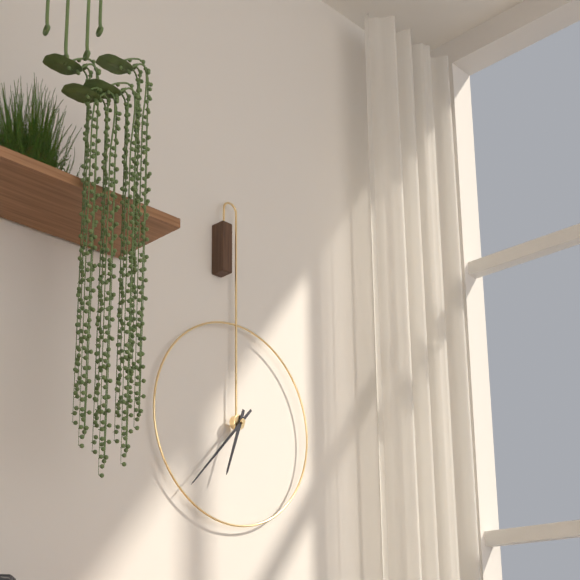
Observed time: 6.37
